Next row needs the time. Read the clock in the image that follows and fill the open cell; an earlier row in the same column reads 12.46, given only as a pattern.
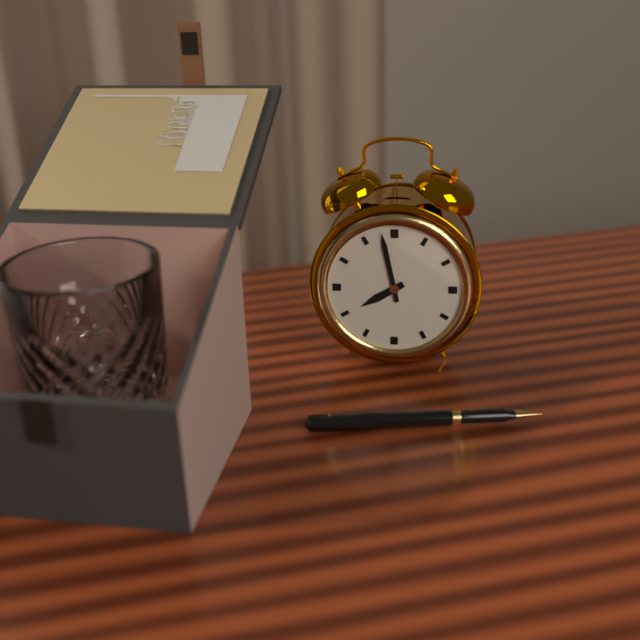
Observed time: 7.58
